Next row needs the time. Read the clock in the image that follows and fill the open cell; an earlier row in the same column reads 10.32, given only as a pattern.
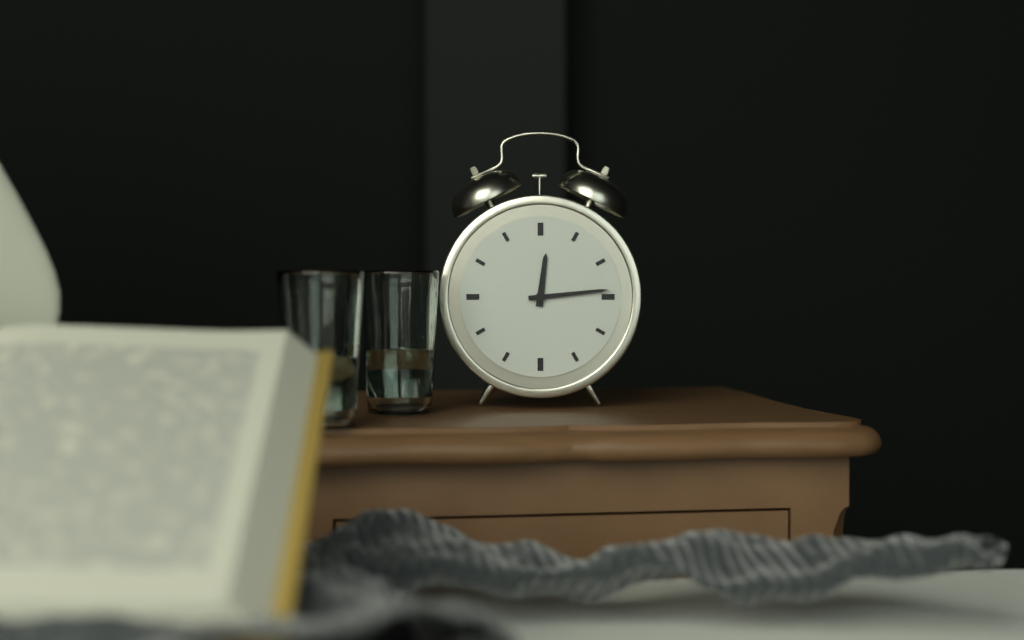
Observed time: 12.14
